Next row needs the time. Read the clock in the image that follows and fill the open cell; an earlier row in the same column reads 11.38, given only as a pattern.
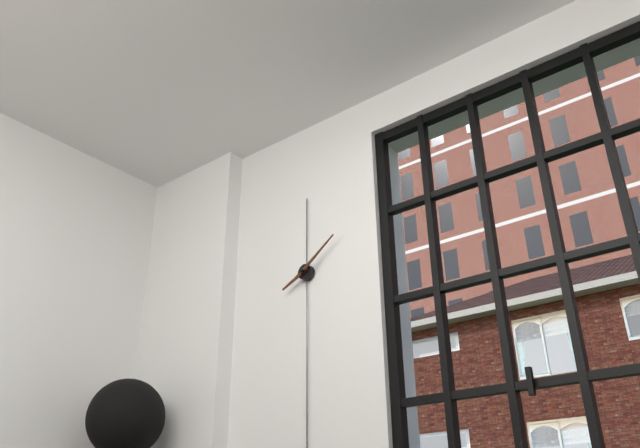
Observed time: 8.09
